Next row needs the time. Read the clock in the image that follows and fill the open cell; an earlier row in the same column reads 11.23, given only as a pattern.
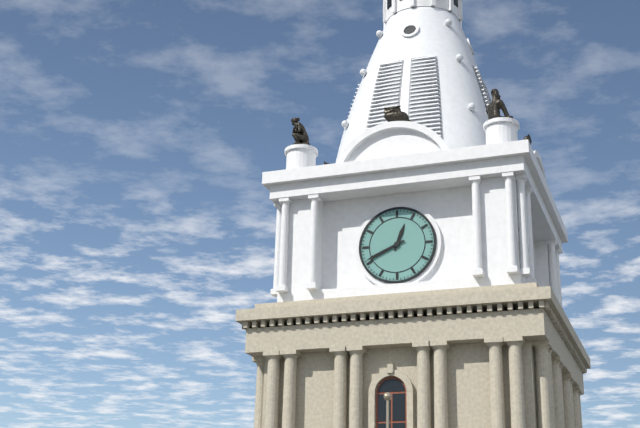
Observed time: 12.41
